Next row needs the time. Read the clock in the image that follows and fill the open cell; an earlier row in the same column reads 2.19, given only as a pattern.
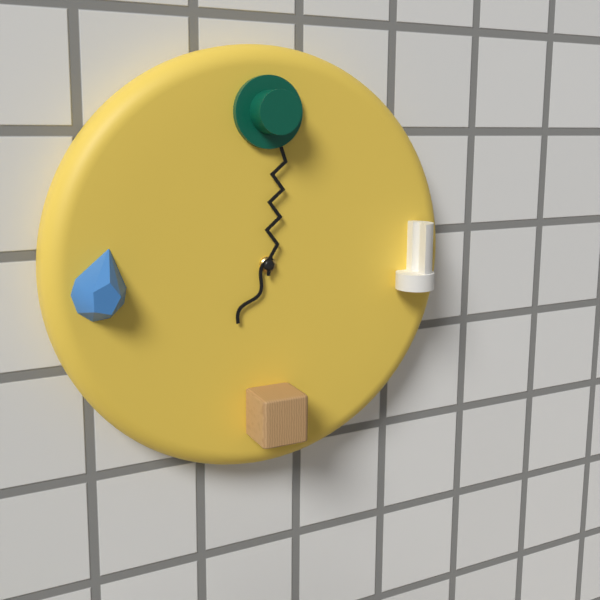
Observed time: 7.01
